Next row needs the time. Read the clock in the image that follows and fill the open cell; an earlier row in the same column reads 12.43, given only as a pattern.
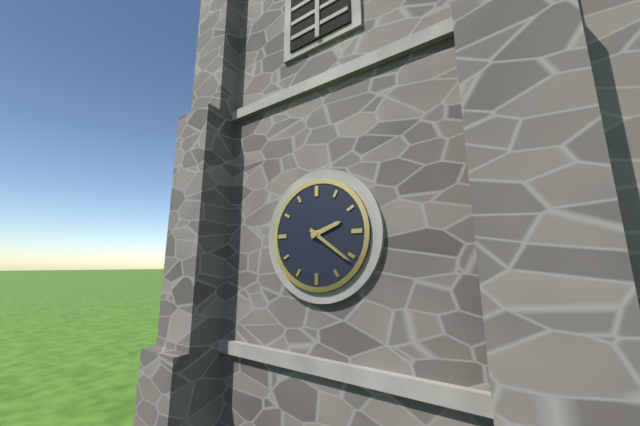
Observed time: 2.21
